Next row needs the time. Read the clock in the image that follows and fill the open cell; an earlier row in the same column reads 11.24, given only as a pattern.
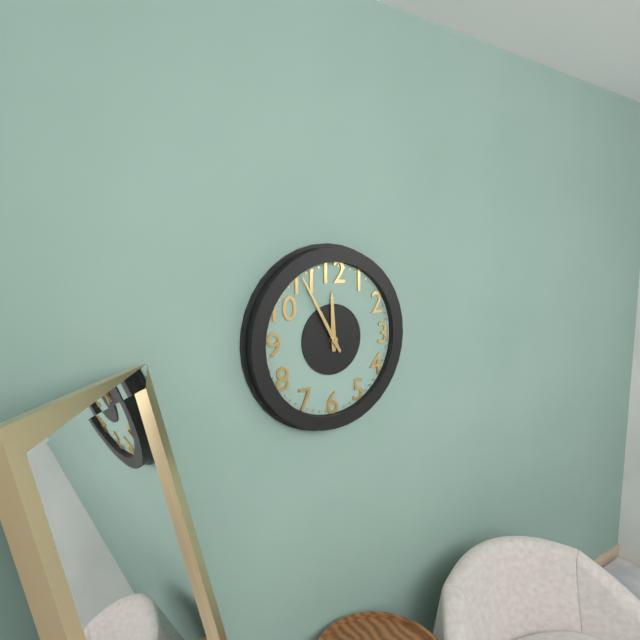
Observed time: 11.55
